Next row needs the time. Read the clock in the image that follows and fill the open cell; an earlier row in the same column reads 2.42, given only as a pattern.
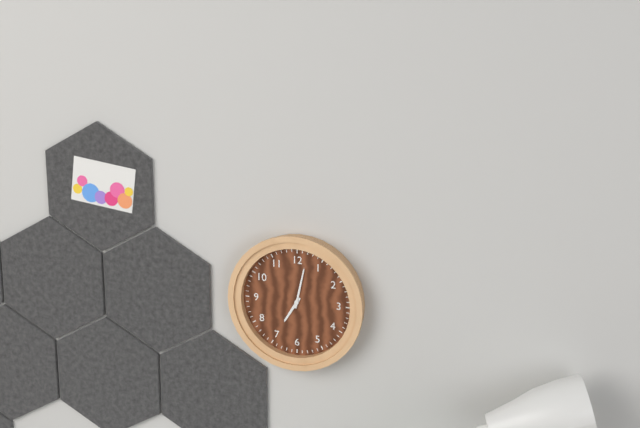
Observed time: 7.02
